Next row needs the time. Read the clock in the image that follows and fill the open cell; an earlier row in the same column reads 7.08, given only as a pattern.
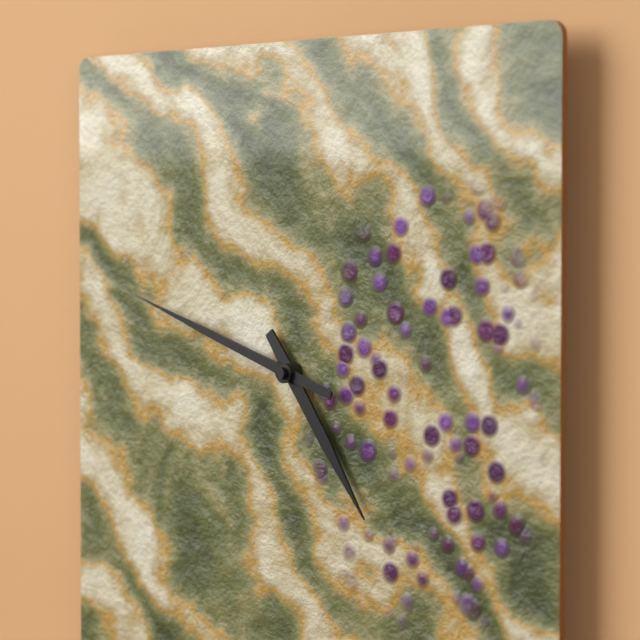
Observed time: 4.48
